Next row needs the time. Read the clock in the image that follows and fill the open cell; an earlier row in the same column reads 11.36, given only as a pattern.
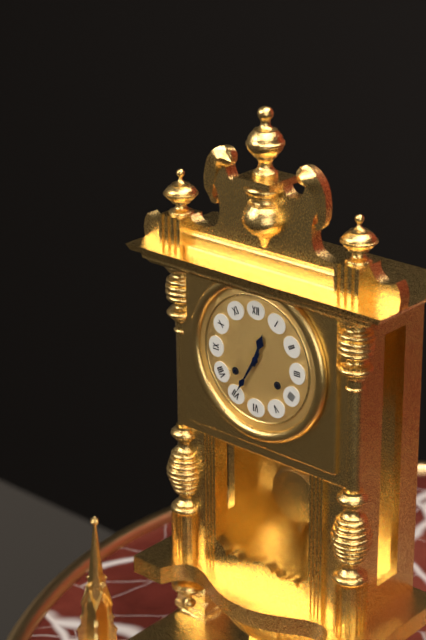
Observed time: 12.35
